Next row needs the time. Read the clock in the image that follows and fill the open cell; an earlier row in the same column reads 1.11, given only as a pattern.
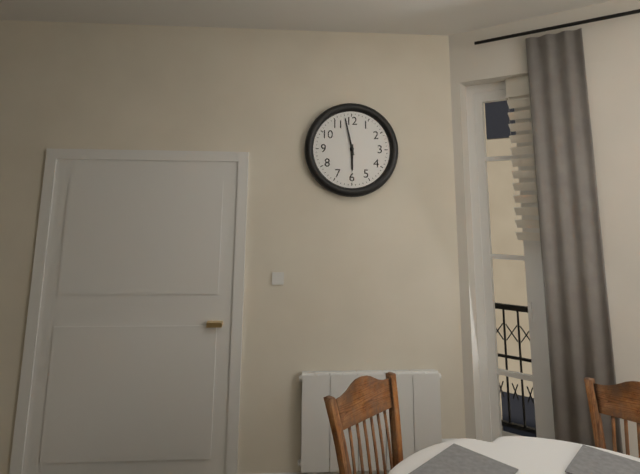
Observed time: 5.58
